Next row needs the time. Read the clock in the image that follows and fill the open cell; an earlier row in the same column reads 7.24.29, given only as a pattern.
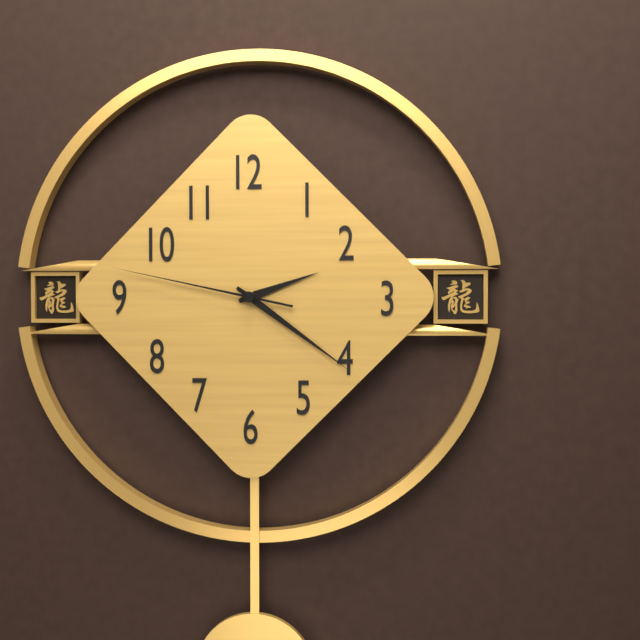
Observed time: 2.21.47
